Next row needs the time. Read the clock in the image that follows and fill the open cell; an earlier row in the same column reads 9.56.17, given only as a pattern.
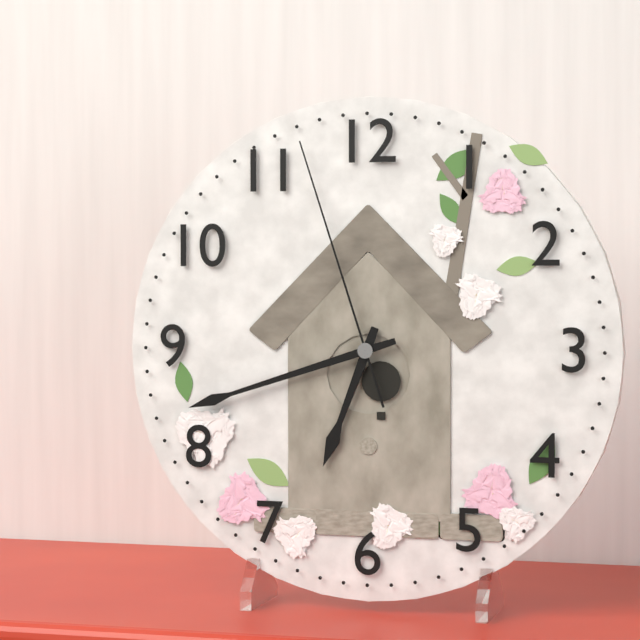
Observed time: 6.42.57
